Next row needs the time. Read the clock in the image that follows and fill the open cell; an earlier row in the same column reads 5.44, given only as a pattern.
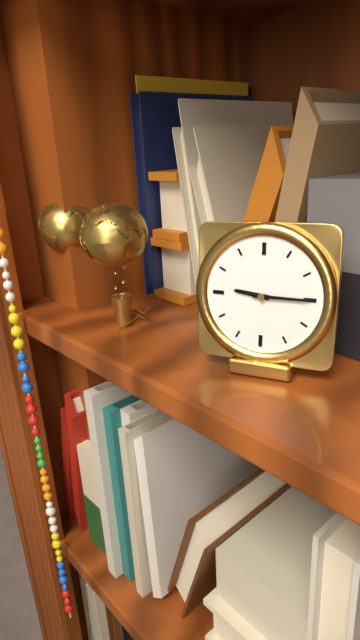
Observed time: 9.15
